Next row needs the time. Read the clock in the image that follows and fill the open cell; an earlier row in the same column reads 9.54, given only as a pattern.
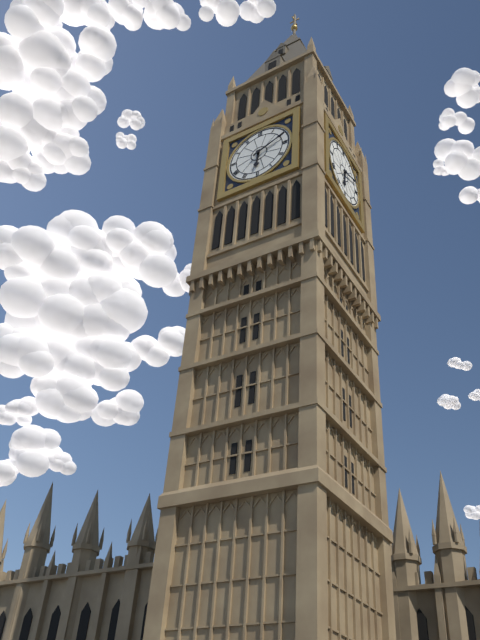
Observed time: 6.11
